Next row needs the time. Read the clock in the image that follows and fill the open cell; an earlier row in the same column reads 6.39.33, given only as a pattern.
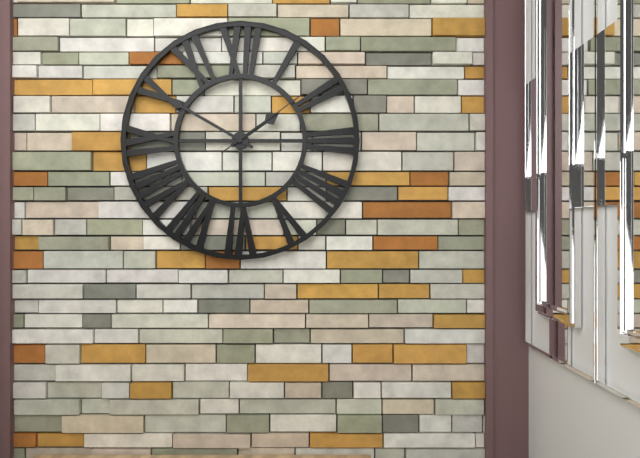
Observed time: 1.50.09
